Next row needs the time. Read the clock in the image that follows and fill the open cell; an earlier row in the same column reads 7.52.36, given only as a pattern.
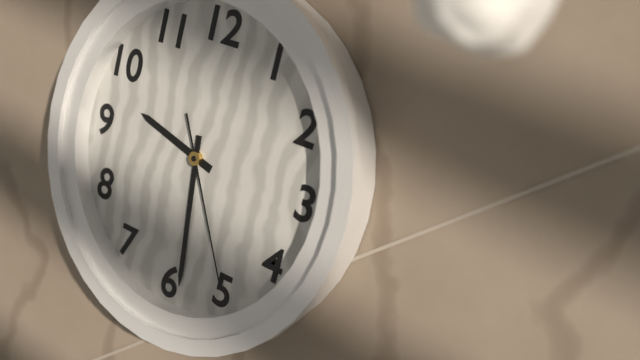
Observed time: 9.29.25
